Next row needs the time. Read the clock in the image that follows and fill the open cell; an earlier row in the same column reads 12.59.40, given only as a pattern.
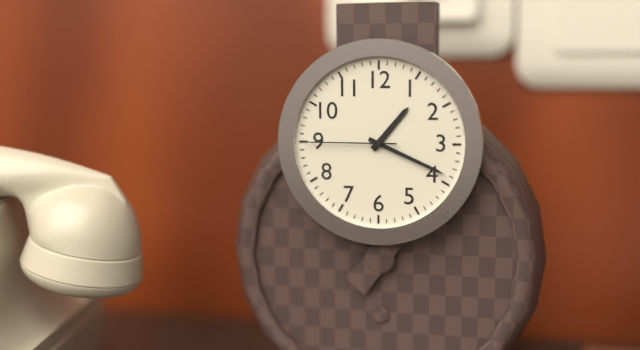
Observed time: 1.19.45
